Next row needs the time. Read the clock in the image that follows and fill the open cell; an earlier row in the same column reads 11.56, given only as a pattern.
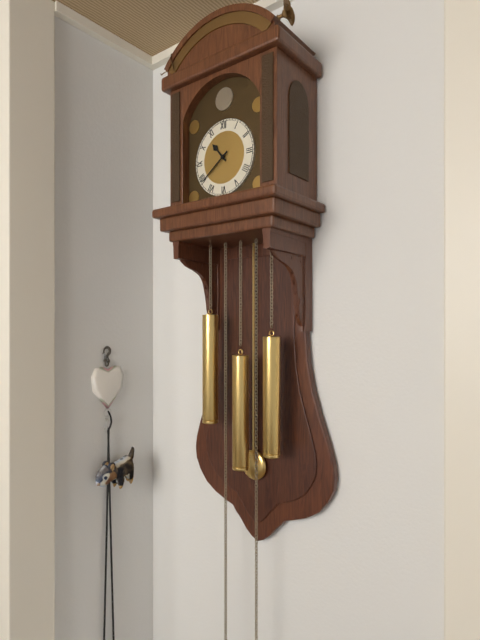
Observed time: 10.39
